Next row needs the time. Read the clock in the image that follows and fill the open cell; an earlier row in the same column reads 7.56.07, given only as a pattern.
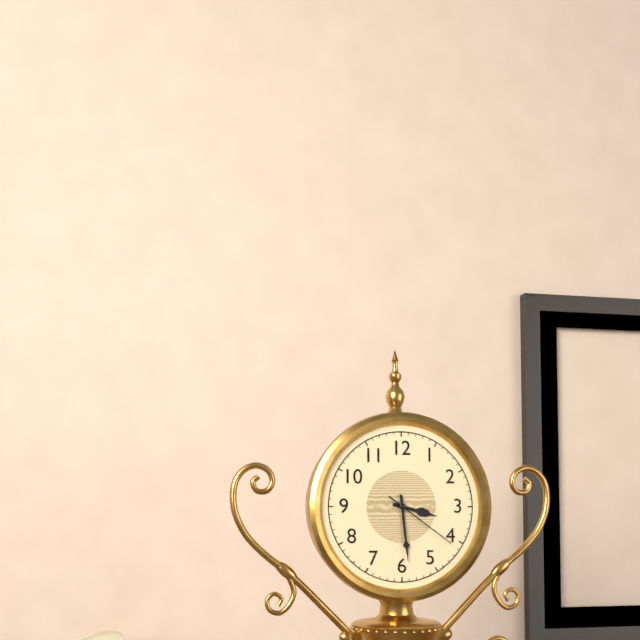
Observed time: 3.29.21
